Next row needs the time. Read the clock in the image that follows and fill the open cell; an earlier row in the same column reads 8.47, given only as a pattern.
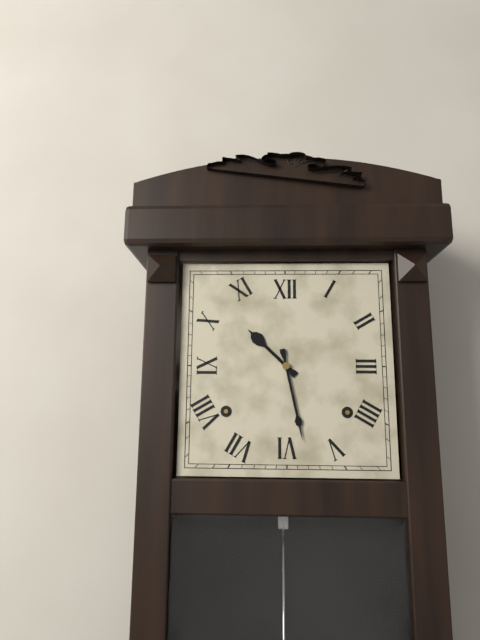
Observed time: 10.28
